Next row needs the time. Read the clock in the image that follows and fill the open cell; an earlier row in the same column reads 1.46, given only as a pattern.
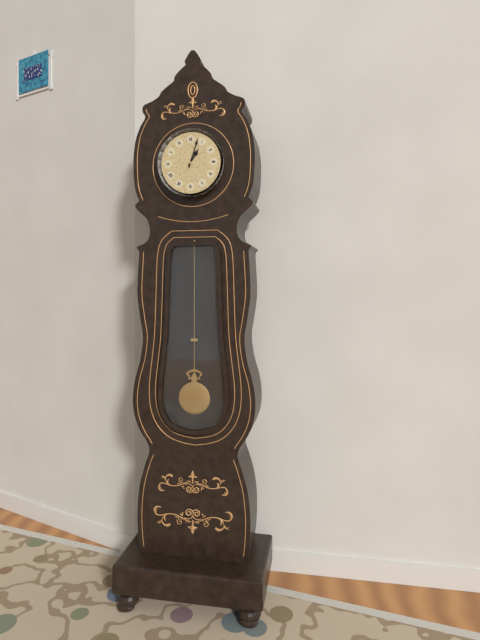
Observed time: 1.03
